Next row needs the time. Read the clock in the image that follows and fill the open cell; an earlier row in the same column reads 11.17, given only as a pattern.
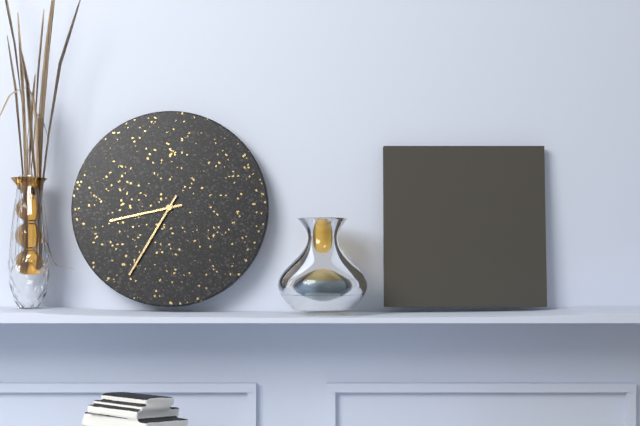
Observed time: 8.35
